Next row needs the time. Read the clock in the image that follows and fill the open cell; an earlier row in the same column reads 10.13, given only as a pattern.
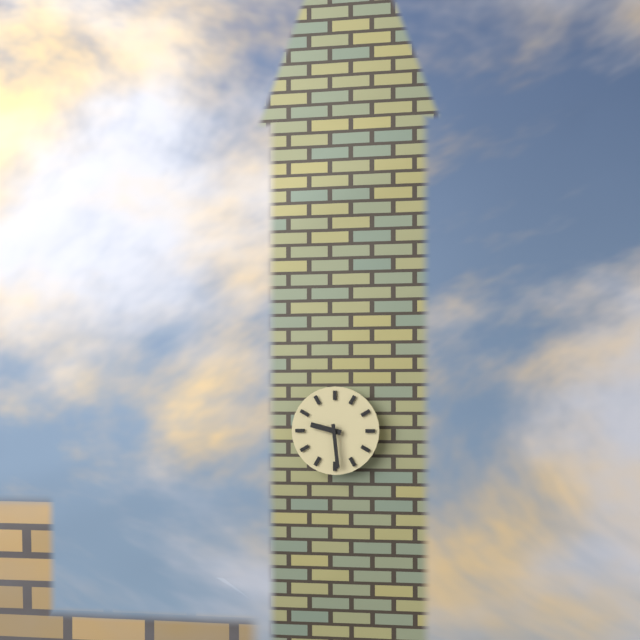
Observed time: 9.29
